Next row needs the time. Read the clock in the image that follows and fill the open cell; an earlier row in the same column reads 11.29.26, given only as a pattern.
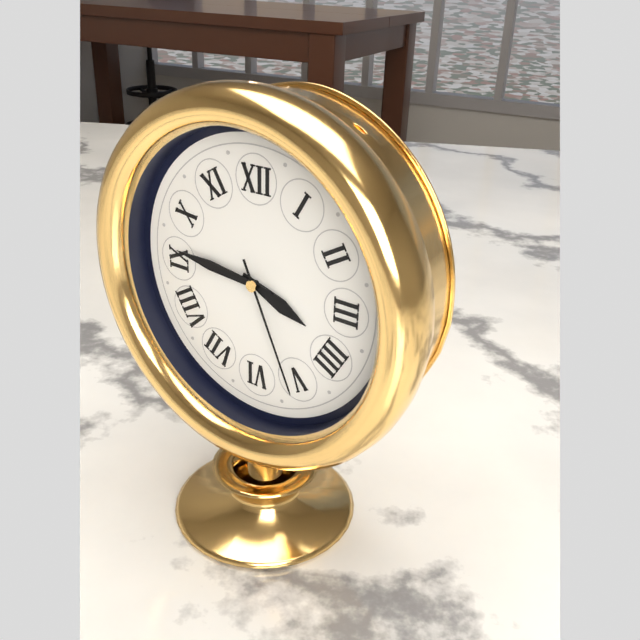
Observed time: 3.46.26
